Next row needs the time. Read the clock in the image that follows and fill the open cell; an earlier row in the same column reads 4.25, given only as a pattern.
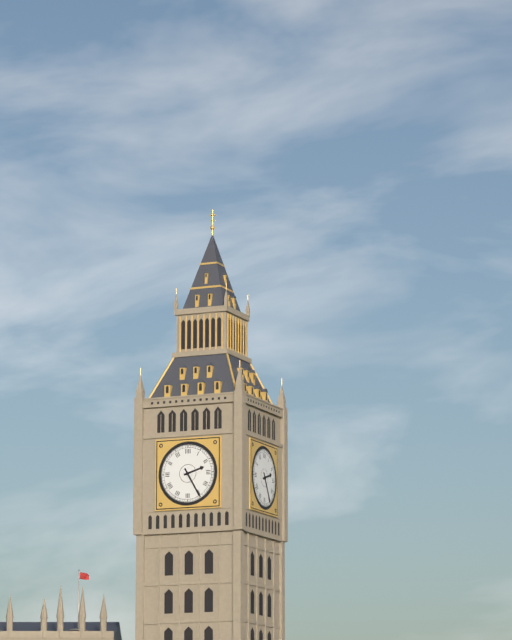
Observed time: 2.25
